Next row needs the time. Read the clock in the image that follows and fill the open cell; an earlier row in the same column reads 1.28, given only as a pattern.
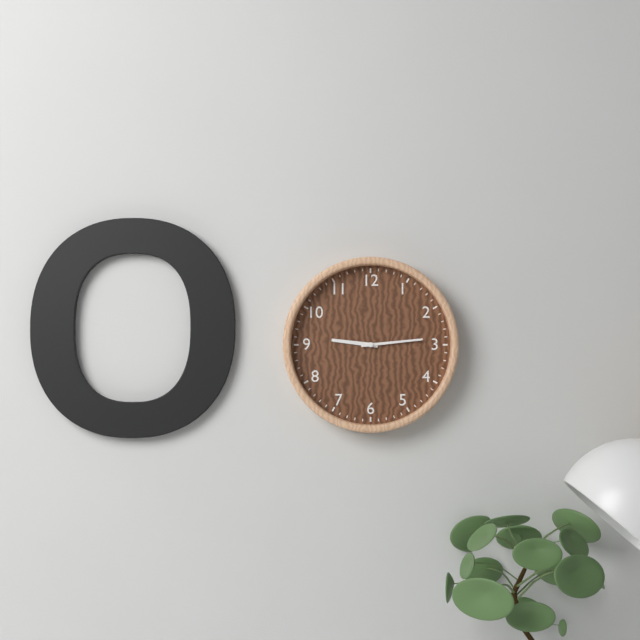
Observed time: 9.14
